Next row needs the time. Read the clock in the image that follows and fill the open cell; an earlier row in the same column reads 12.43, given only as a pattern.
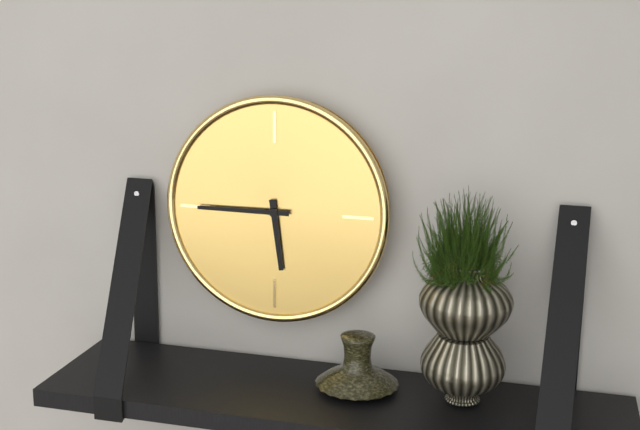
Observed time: 5.45
